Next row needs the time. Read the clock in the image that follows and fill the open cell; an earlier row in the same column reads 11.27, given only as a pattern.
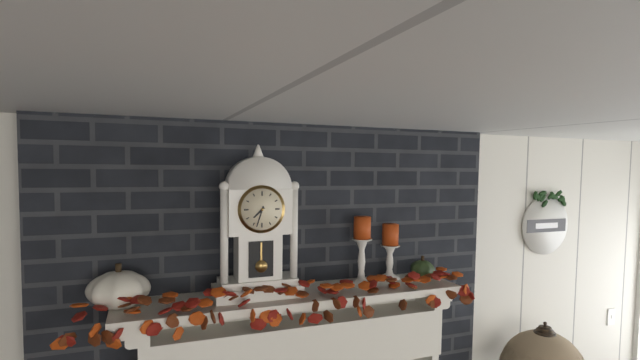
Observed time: 7.33
